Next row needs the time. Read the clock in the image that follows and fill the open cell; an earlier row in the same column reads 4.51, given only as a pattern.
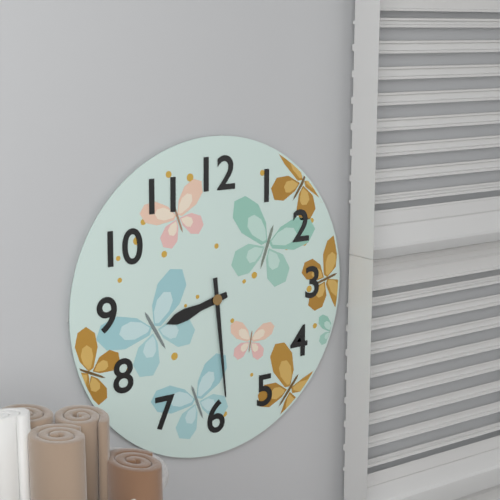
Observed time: 8.29
